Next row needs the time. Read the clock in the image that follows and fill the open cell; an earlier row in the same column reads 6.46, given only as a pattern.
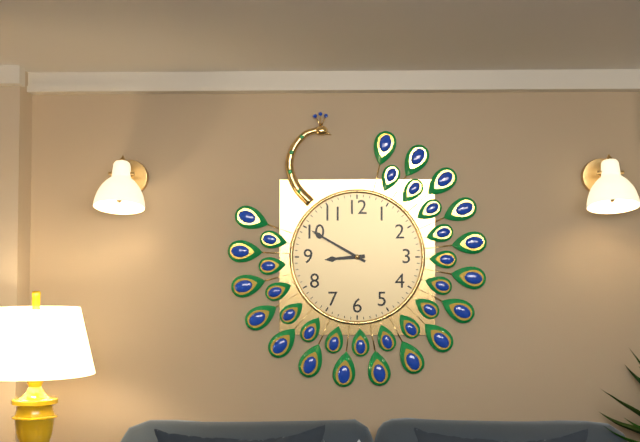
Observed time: 8.50
